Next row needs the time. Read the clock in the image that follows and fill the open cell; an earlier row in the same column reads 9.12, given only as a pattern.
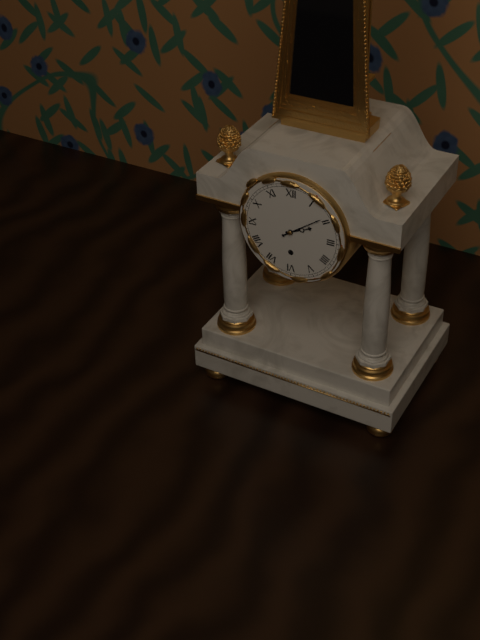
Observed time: 2.09
